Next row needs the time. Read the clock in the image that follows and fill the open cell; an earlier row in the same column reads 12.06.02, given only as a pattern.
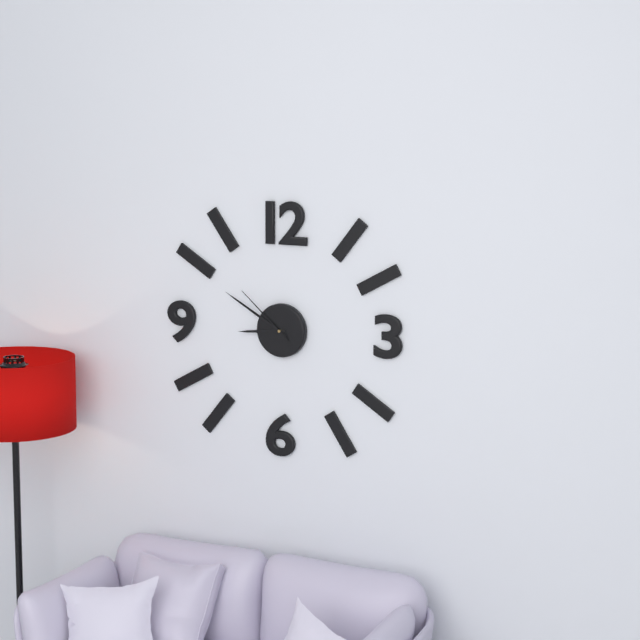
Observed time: 8.50.52
